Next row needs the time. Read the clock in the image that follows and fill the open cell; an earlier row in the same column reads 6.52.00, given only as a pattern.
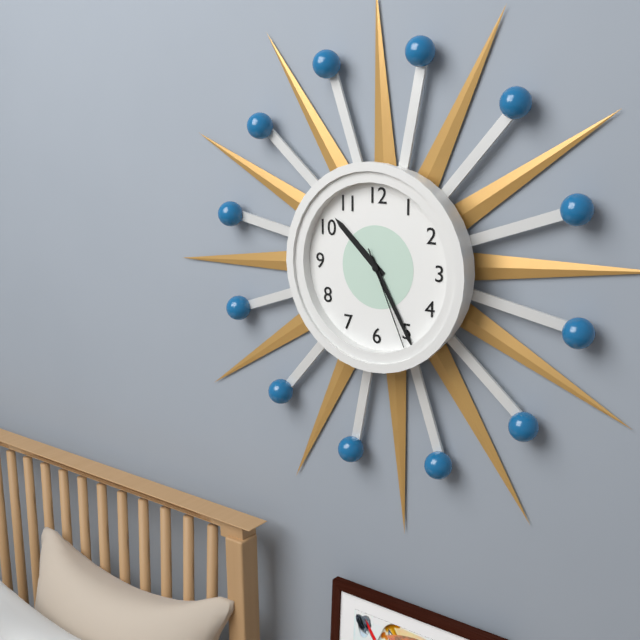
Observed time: 10.25.26
